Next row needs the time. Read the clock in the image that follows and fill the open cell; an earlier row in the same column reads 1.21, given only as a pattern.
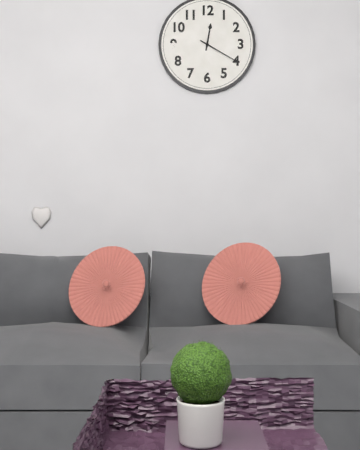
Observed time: 12.20
